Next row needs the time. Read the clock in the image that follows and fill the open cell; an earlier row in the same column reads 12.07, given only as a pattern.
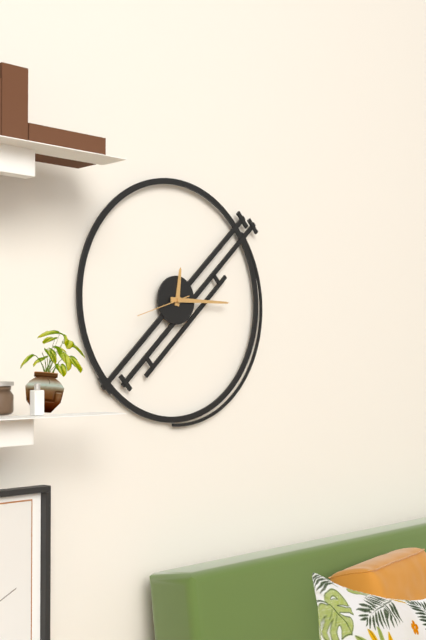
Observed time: 12.15
